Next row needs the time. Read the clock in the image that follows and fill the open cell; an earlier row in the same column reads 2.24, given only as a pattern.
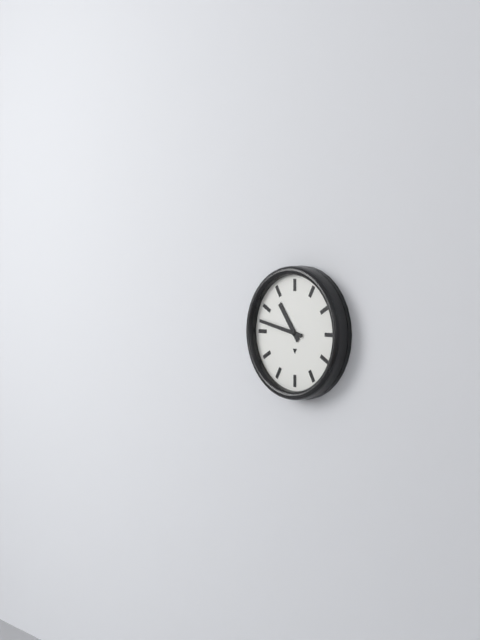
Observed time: 10.47
